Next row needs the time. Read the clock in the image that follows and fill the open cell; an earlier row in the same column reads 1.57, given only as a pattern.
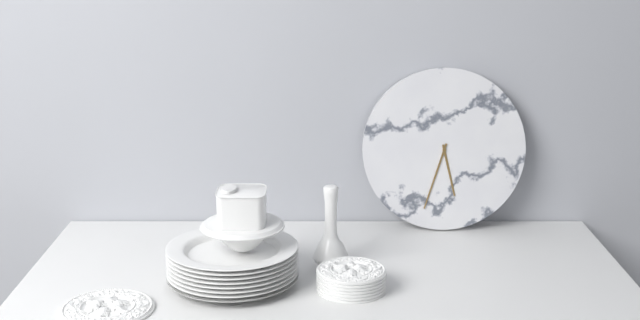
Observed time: 5.33
